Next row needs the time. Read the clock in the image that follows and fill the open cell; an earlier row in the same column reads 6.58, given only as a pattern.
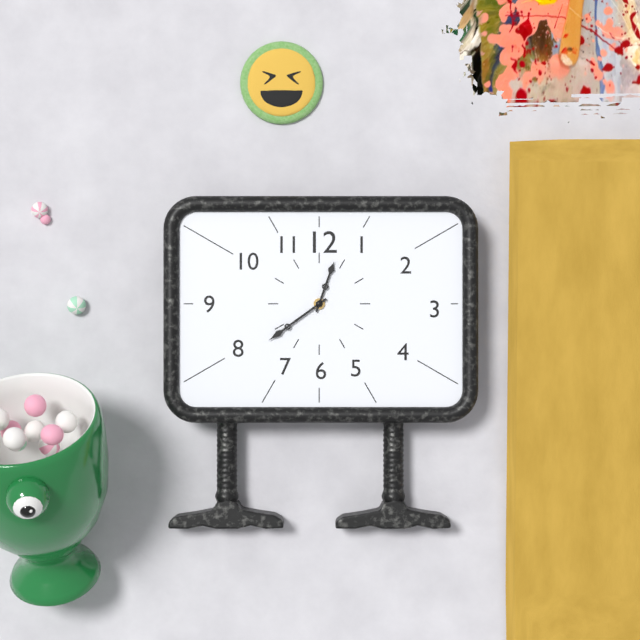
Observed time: 12.39
